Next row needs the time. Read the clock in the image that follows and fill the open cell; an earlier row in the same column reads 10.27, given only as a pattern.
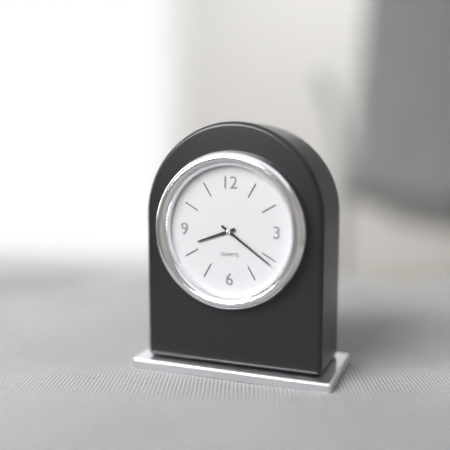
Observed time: 8.21
